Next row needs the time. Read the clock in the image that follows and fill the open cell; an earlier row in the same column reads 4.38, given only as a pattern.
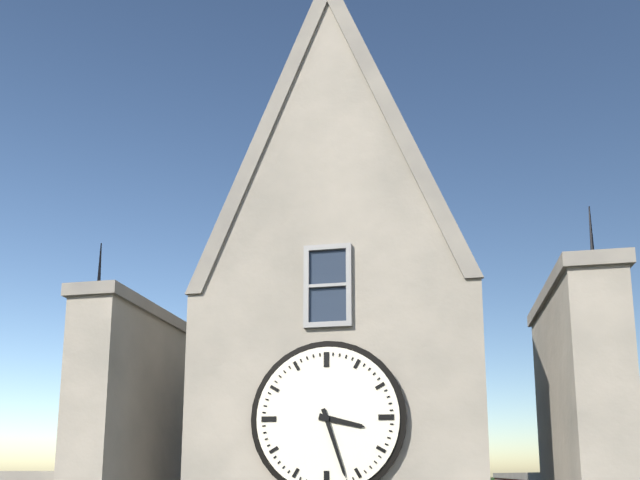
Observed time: 3.27
